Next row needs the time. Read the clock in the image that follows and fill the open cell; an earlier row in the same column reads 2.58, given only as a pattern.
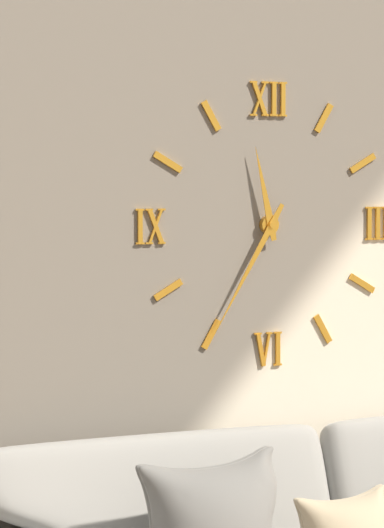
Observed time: 11.35
